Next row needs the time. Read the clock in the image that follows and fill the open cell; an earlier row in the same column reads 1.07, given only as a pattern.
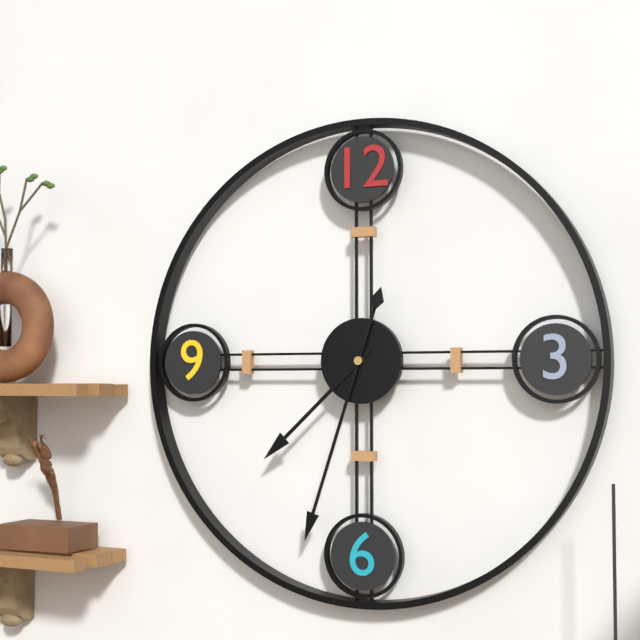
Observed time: 7.33
